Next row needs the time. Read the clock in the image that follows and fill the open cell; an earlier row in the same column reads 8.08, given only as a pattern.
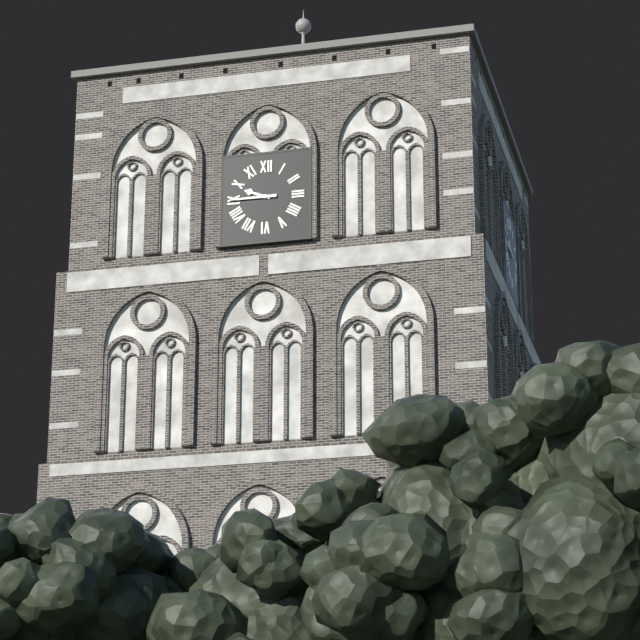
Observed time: 9.45
